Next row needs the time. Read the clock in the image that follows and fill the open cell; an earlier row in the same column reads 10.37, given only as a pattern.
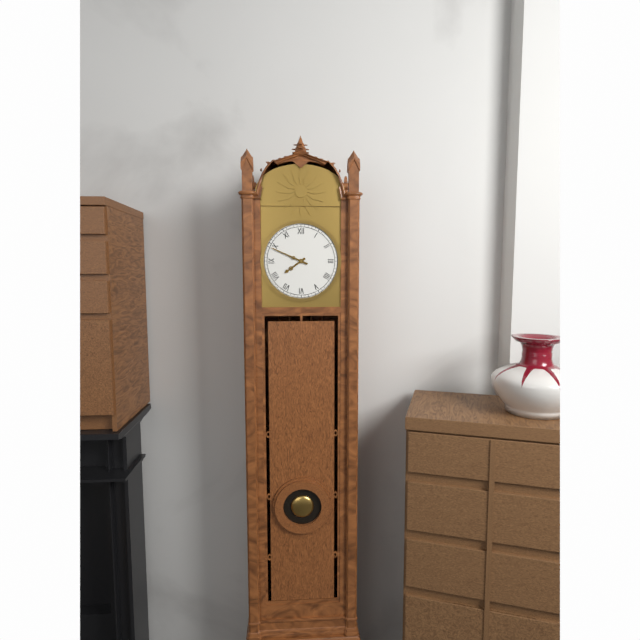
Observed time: 7.49
